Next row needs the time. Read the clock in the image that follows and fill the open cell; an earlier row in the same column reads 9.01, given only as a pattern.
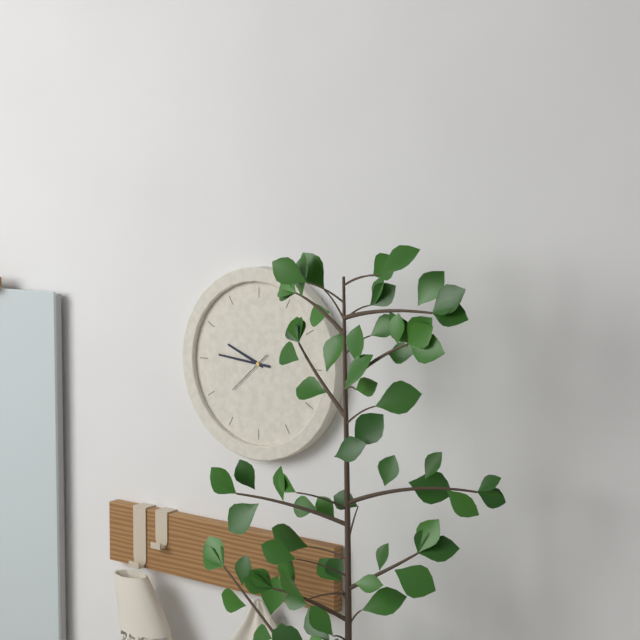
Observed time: 9.46
